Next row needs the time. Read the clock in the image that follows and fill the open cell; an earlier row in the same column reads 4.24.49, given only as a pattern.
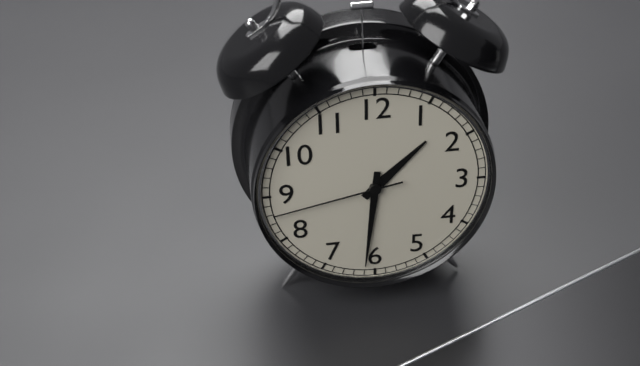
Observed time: 1.31.43
